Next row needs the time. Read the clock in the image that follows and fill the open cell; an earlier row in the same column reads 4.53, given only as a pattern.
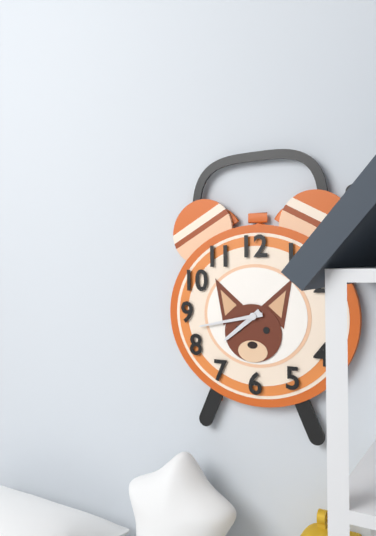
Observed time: 7.43
